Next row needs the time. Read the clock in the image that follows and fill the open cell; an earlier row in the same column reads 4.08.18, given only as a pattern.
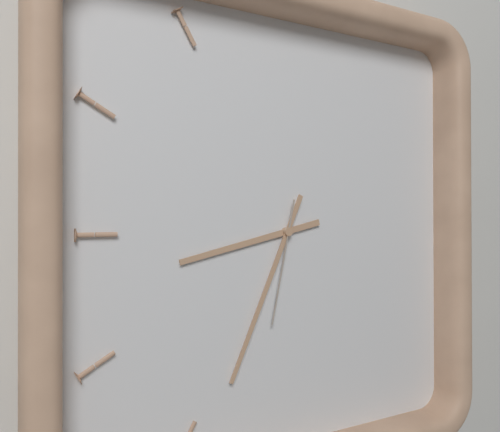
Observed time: 8.34.32
